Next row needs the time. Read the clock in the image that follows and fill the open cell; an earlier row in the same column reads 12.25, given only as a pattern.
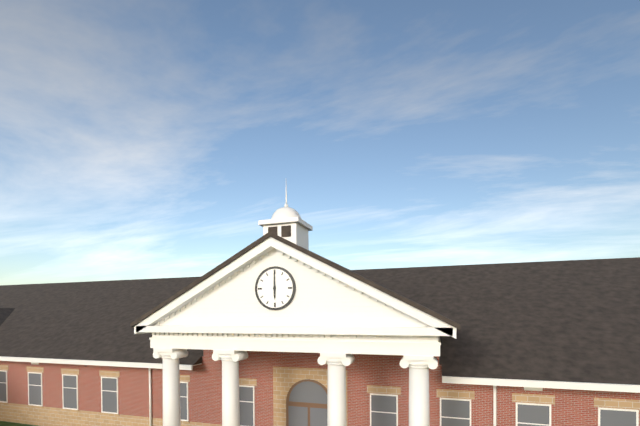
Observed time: 6.00
